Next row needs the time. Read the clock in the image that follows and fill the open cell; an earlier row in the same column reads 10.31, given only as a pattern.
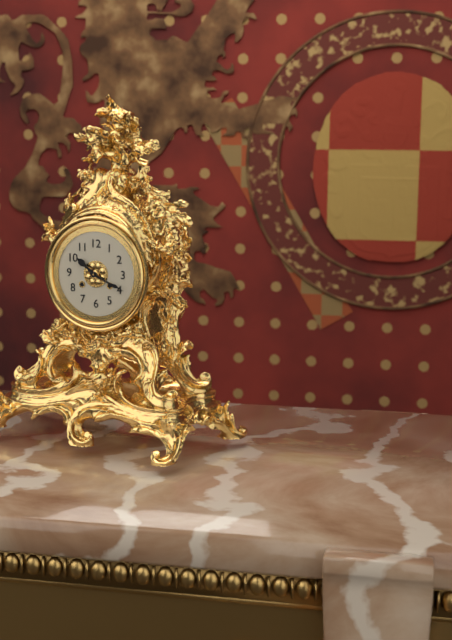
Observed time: 10.19
